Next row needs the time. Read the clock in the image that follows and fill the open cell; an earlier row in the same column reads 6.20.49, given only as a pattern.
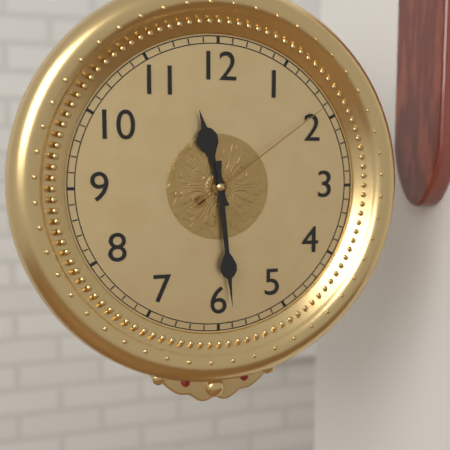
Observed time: 11.29.09
